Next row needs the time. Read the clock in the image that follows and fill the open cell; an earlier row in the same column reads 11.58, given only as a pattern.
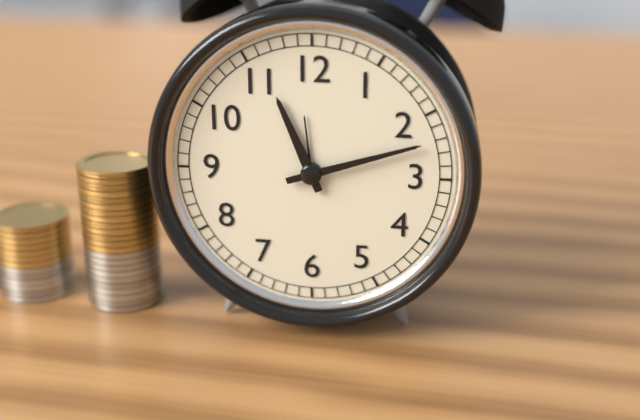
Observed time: 11.12
